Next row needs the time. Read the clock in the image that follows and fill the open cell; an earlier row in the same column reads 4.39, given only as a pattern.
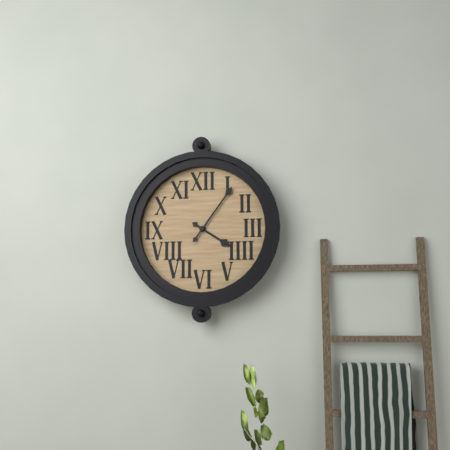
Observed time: 4.06
